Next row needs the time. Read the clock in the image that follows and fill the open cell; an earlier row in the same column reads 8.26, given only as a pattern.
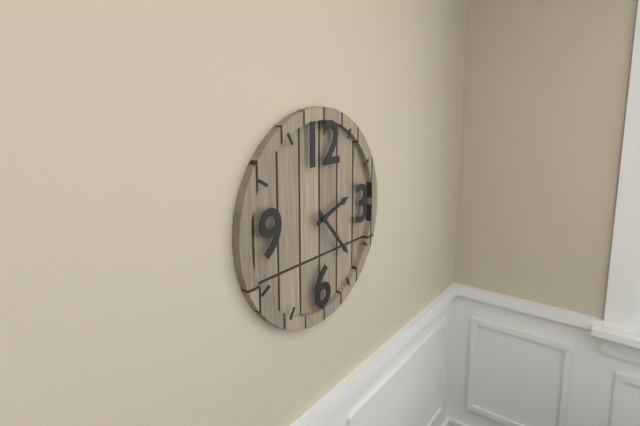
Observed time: 2.23
